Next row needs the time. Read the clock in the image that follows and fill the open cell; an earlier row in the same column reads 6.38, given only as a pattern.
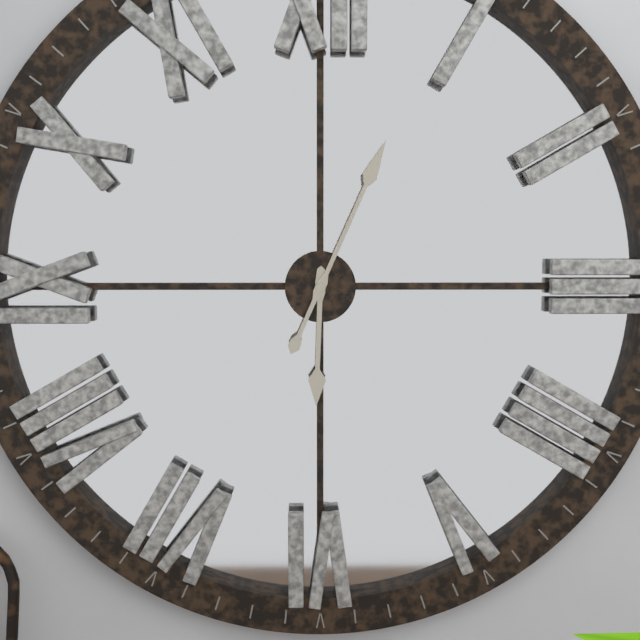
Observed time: 6.04
